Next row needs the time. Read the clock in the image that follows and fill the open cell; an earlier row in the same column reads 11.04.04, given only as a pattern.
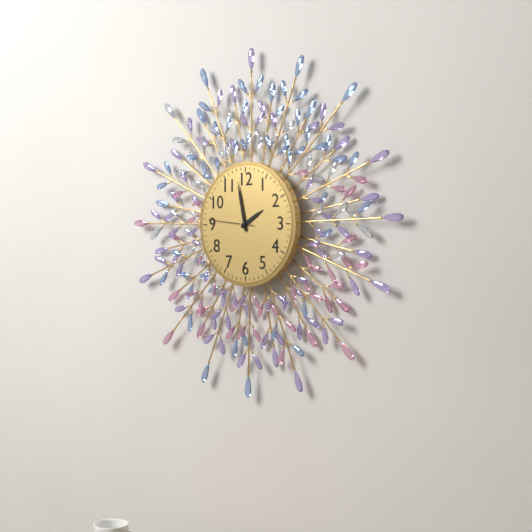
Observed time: 1.58.46
